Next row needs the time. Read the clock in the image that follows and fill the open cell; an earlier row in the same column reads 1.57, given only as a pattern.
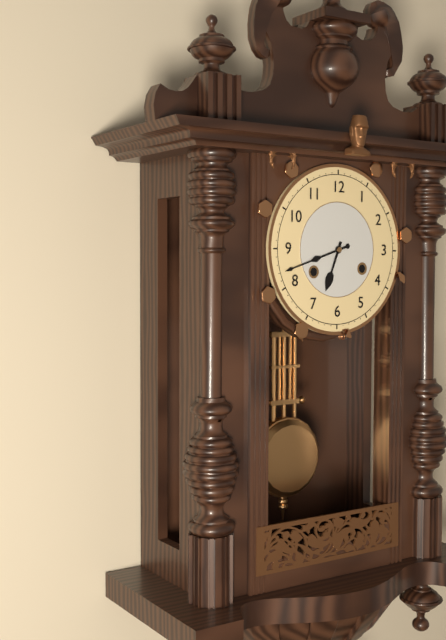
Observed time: 6.42
